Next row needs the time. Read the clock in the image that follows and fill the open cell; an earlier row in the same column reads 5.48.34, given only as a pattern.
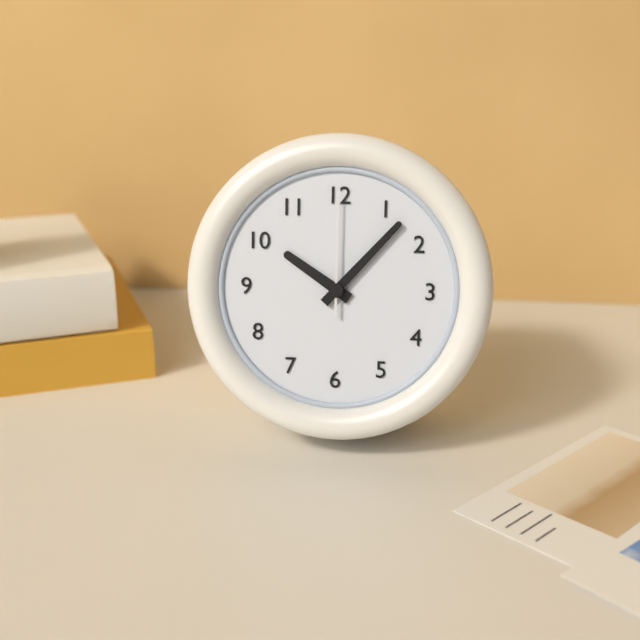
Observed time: 10.07.00
